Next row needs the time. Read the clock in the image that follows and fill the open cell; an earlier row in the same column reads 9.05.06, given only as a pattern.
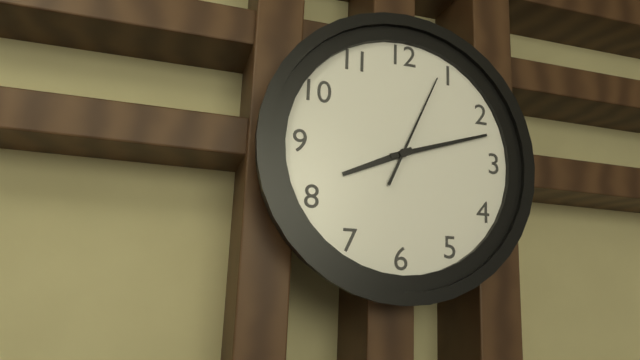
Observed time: 8.12.04
